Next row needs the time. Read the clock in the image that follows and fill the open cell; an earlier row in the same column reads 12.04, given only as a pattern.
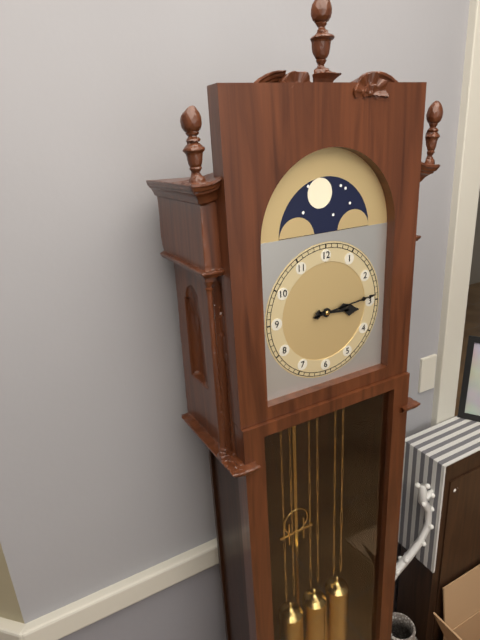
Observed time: 3.14
